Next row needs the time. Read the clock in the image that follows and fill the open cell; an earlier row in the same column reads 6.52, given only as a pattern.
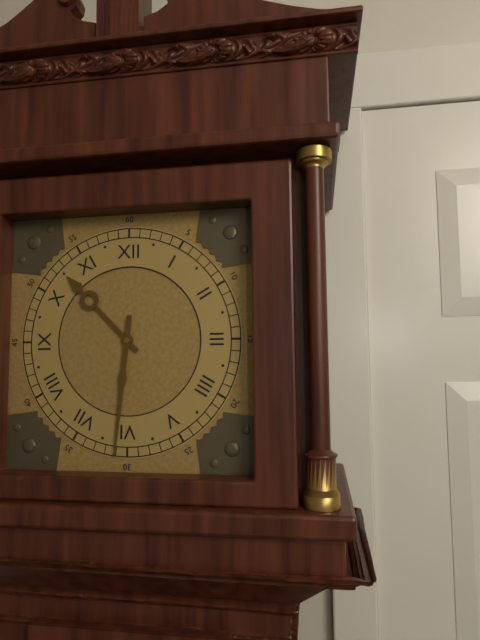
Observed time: 10.31
